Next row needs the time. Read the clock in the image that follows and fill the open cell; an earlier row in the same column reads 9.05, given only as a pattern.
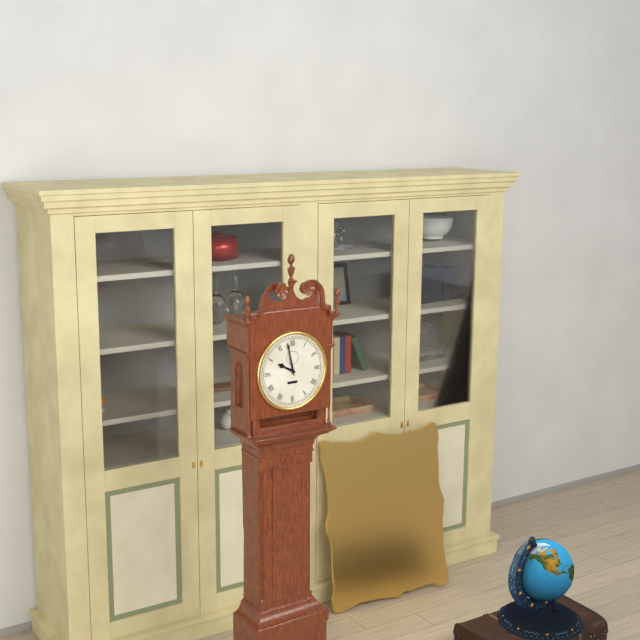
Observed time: 9.58
